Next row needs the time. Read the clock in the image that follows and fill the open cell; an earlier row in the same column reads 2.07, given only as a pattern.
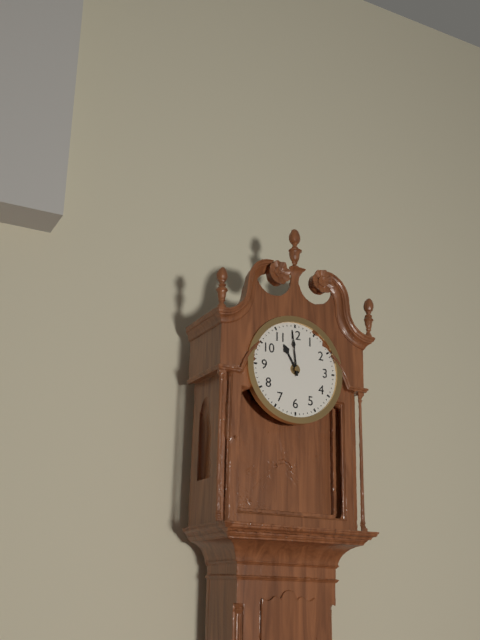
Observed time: 10.59
